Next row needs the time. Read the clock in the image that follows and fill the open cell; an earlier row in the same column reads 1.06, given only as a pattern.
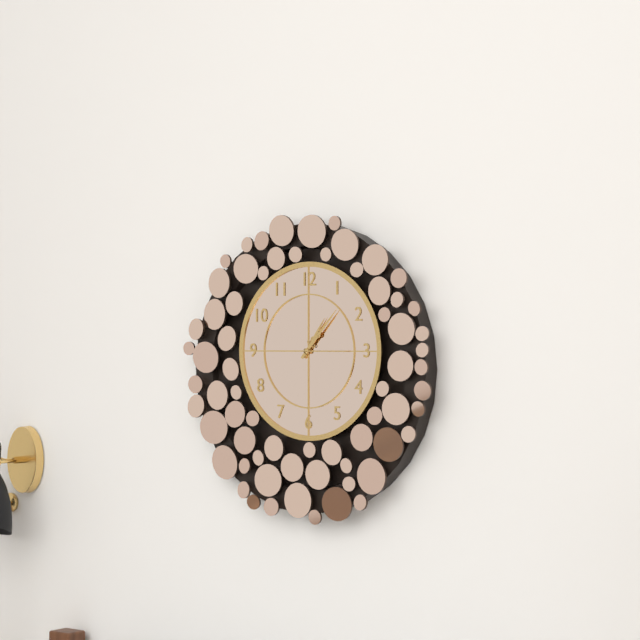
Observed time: 1.07
